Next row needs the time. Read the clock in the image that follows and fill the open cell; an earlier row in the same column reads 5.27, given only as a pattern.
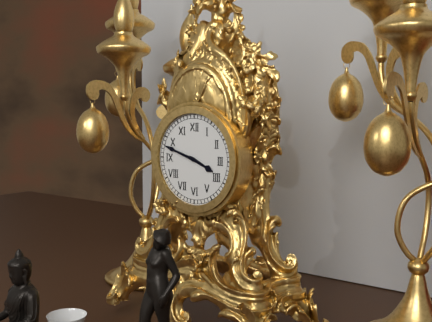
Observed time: 3.48
